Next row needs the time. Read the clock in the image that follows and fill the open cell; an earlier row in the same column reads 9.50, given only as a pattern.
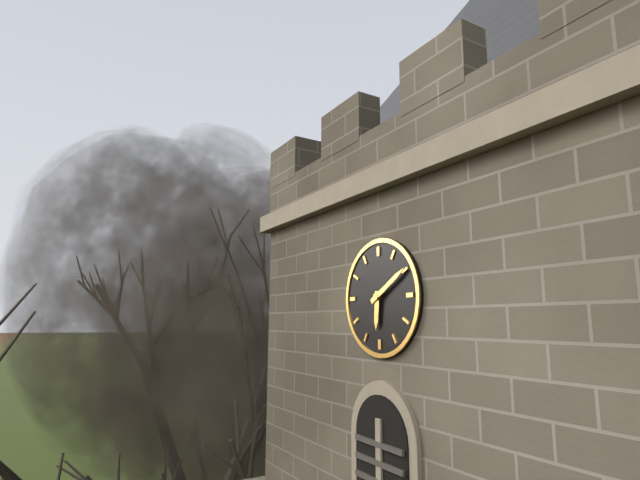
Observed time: 6.10
